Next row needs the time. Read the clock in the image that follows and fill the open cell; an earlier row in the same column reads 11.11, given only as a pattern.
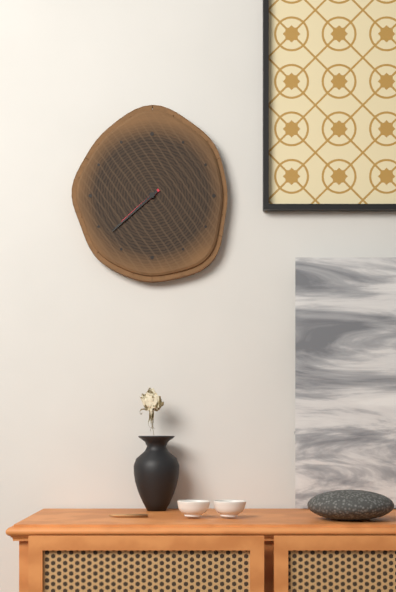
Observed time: 7.38
